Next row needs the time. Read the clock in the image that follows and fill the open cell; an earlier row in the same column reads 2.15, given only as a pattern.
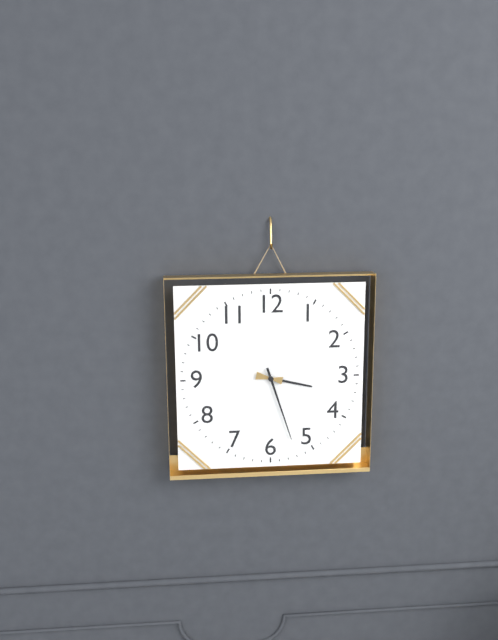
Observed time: 3.27
